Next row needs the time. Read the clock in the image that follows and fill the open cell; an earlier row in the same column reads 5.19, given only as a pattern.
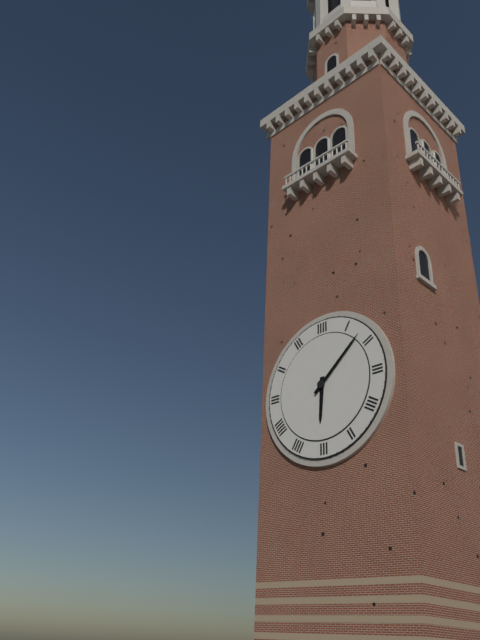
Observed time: 6.08
